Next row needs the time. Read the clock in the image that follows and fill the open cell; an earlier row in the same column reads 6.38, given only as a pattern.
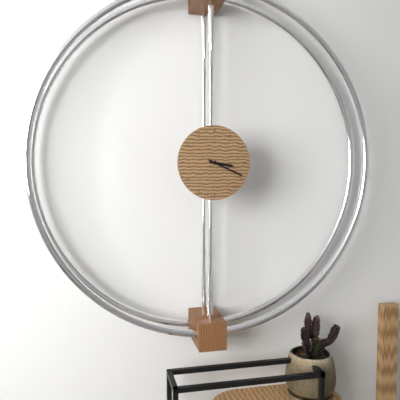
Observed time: 3.19
